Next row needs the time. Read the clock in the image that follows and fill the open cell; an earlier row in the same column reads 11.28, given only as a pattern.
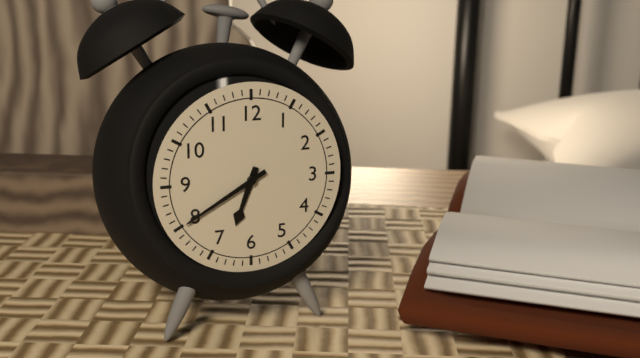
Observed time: 6.40
